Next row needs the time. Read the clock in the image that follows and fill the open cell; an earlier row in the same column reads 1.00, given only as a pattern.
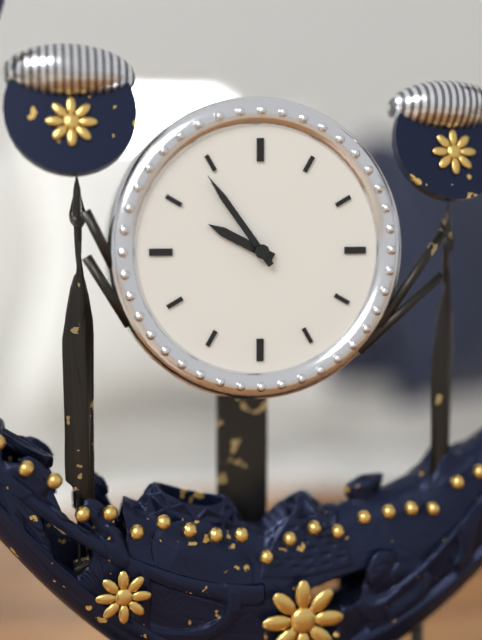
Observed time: 9.54
